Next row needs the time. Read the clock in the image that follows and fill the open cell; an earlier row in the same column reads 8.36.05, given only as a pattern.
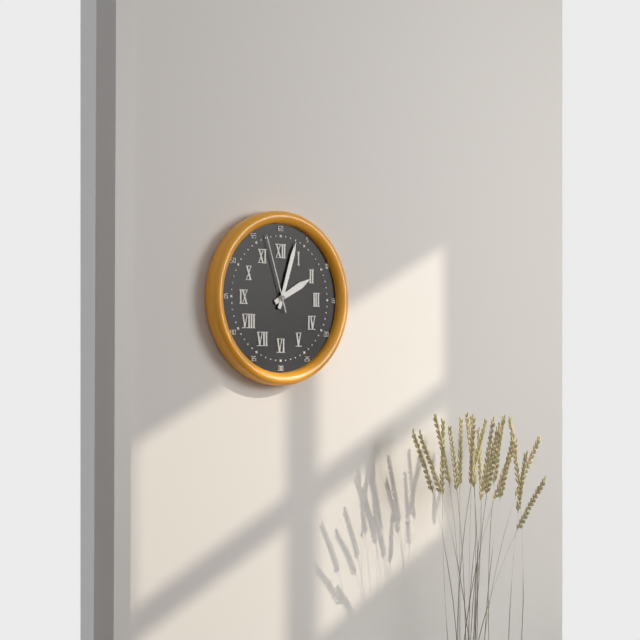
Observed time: 2.03.57
